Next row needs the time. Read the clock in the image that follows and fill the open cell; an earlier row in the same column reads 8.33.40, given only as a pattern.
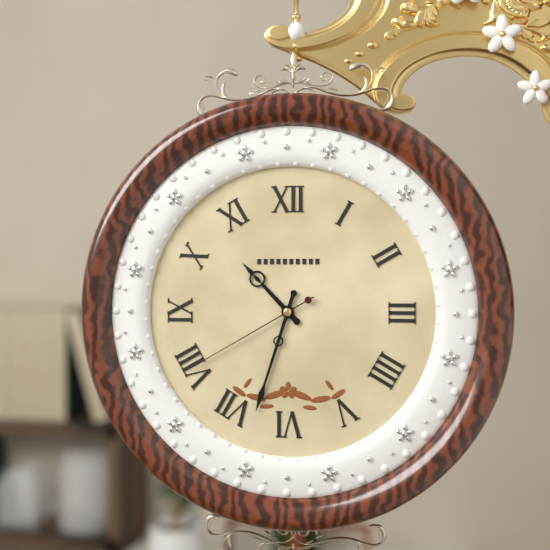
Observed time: 10.33.40
